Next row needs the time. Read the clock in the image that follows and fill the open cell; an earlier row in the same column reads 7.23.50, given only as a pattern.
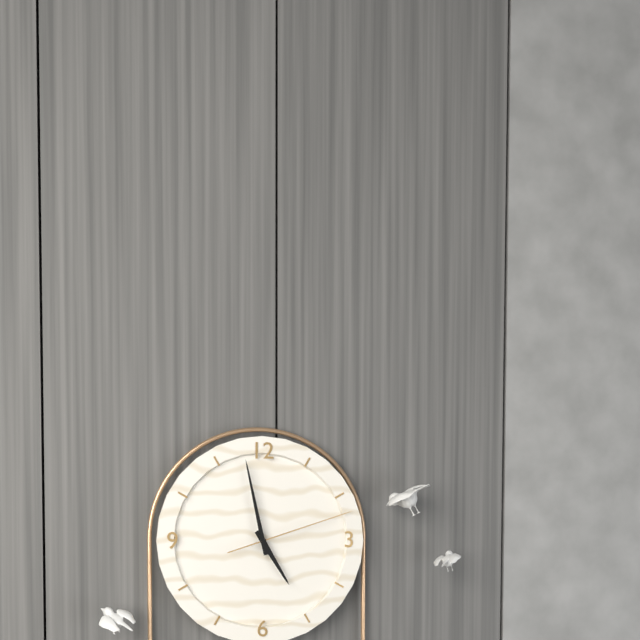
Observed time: 4.58.12
